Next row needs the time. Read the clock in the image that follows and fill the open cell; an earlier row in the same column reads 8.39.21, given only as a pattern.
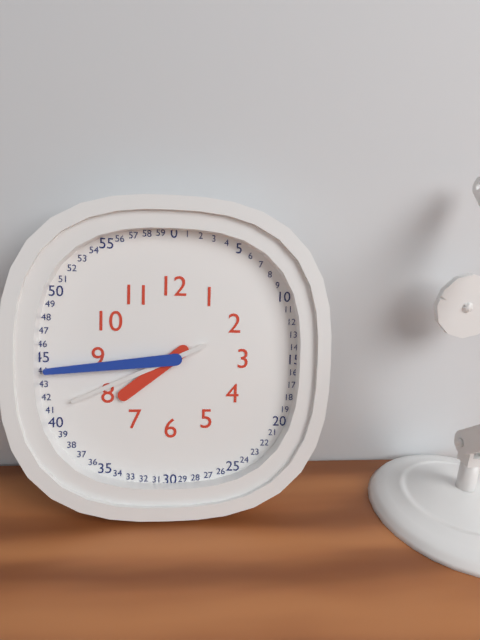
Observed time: 7.44.41
